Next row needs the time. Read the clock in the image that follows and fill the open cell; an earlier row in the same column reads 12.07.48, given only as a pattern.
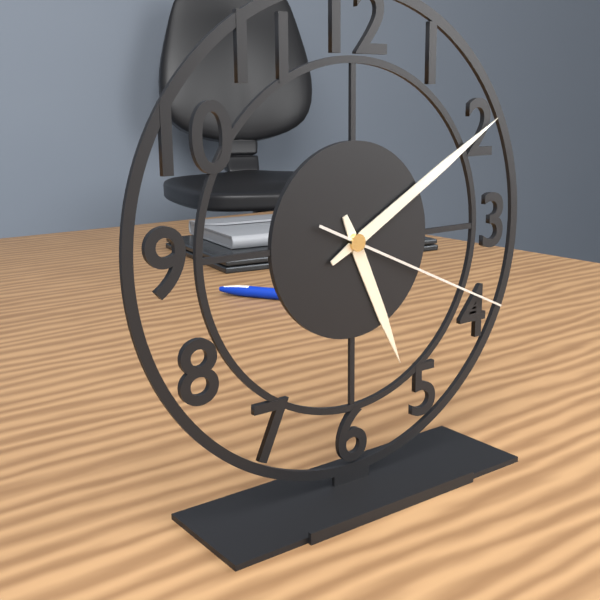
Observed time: 5.10.19
